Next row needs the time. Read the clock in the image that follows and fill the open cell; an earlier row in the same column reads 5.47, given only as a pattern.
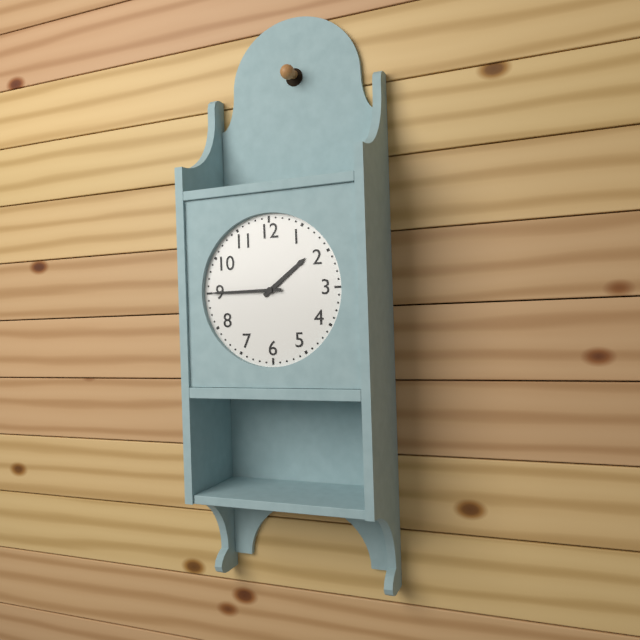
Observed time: 1.45
